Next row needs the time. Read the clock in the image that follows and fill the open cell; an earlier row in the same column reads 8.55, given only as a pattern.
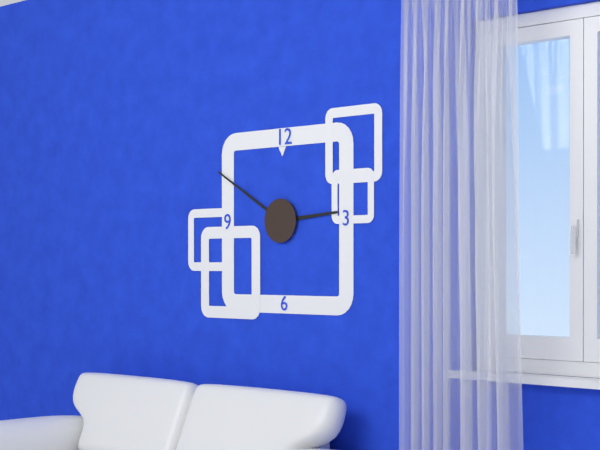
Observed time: 2.50
